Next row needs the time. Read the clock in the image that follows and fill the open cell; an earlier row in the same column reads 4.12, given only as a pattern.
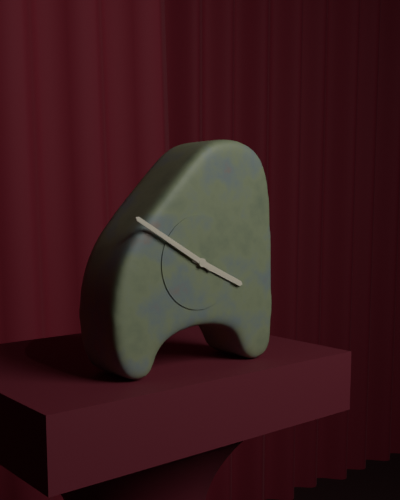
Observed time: 3.50
